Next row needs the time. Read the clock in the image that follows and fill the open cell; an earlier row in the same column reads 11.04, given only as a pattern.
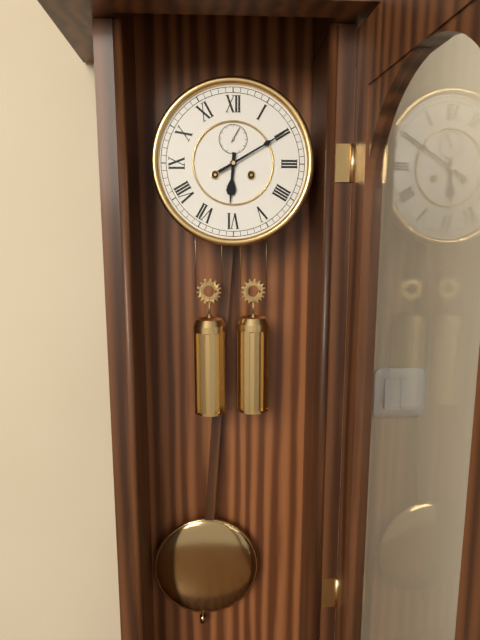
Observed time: 6.10
